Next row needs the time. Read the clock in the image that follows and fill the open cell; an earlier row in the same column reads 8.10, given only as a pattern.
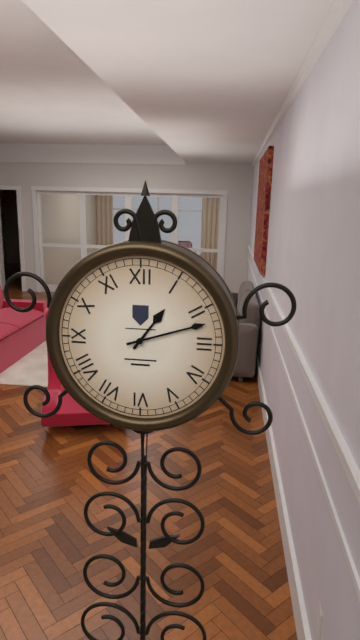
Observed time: 1.12
